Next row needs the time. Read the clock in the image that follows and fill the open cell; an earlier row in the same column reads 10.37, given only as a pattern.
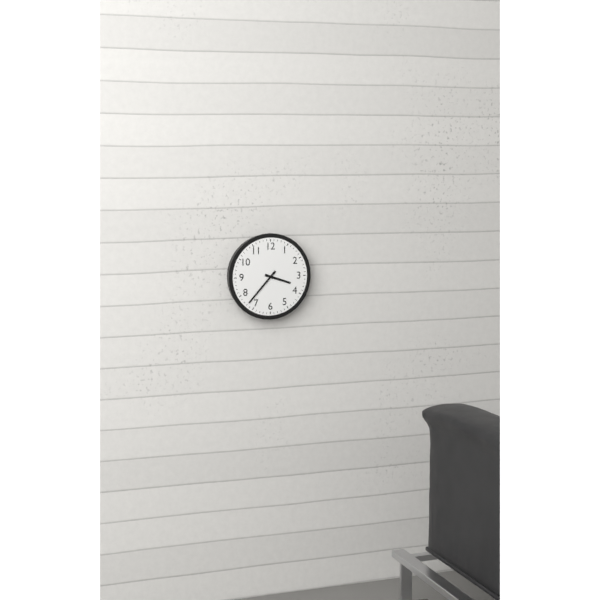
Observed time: 3.37
